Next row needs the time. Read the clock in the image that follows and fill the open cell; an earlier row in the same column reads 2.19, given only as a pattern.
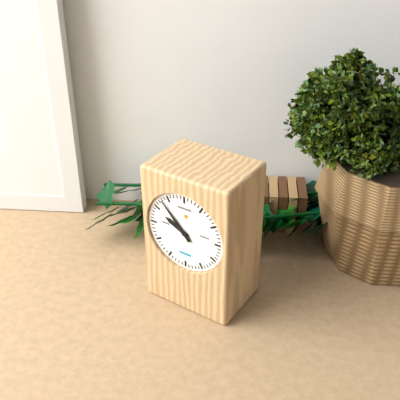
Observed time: 9.53
